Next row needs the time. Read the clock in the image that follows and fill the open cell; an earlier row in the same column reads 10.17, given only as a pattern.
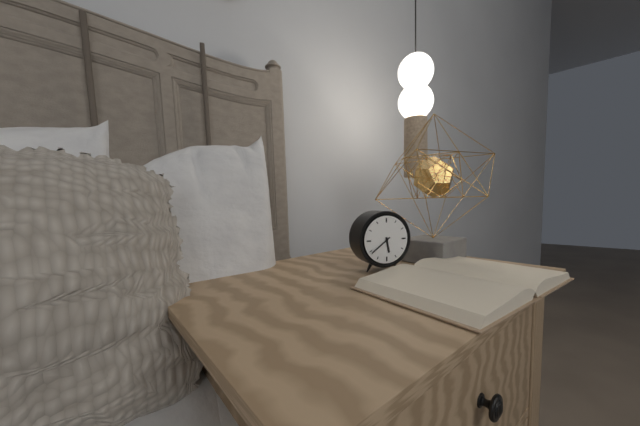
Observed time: 5.39
